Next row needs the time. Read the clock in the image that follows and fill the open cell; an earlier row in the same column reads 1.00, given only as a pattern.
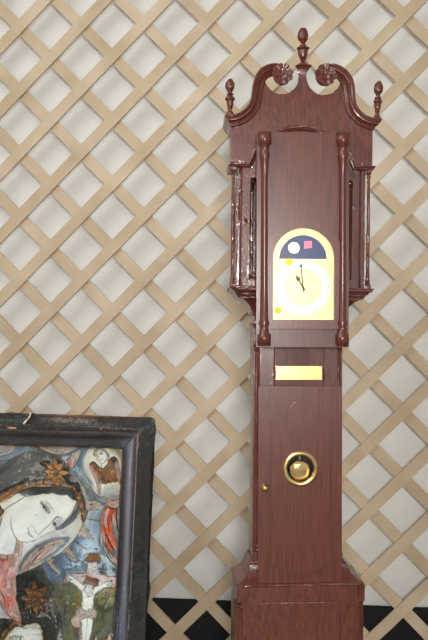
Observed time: 10.59
